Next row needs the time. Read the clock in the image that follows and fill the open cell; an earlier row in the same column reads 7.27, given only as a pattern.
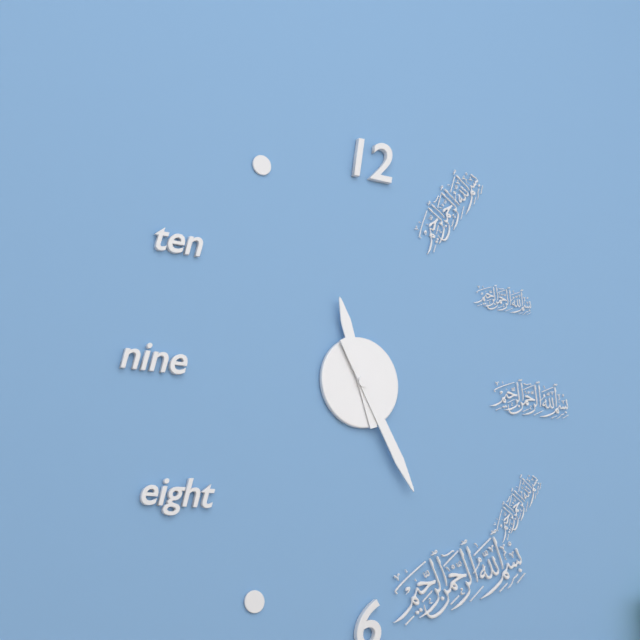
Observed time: 11.25
